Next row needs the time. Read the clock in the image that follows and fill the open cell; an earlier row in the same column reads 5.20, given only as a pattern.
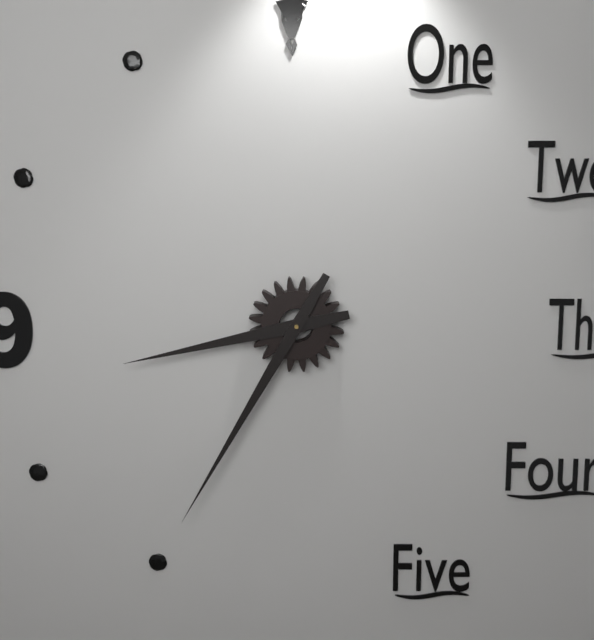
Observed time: 8.35
